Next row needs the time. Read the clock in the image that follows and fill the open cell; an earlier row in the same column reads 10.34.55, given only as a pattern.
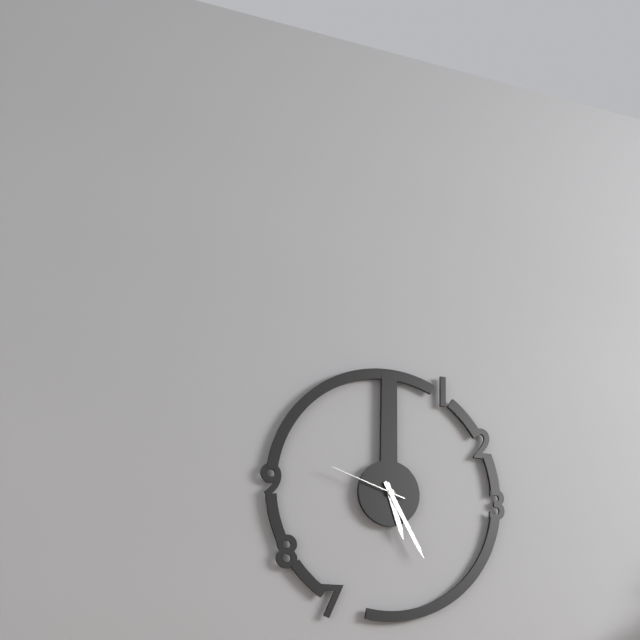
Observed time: 5.25.48
